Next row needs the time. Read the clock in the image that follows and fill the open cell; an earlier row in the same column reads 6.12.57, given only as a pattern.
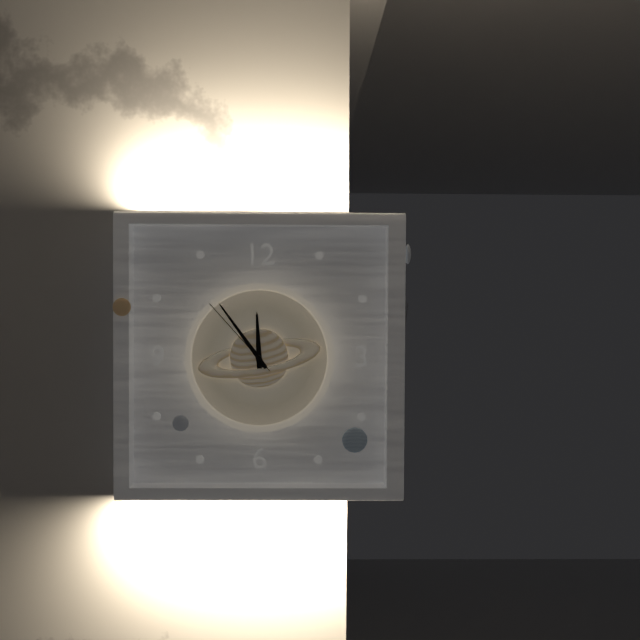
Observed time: 11.54.53
